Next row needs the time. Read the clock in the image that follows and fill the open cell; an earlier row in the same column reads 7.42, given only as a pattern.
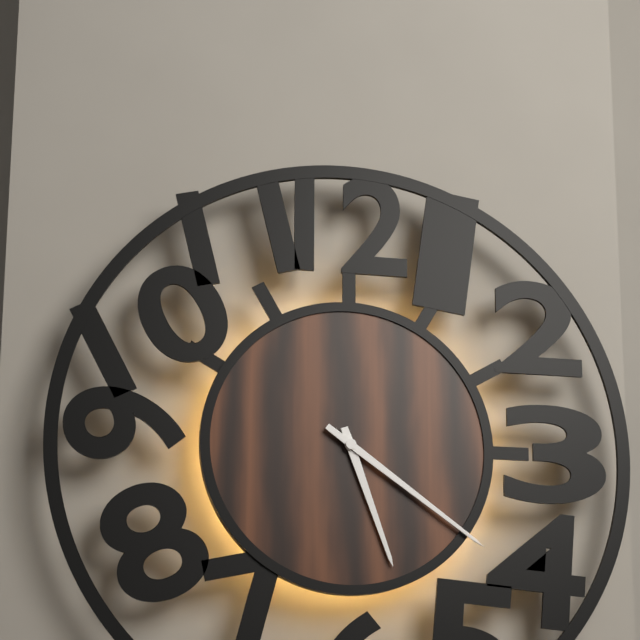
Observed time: 5.21
